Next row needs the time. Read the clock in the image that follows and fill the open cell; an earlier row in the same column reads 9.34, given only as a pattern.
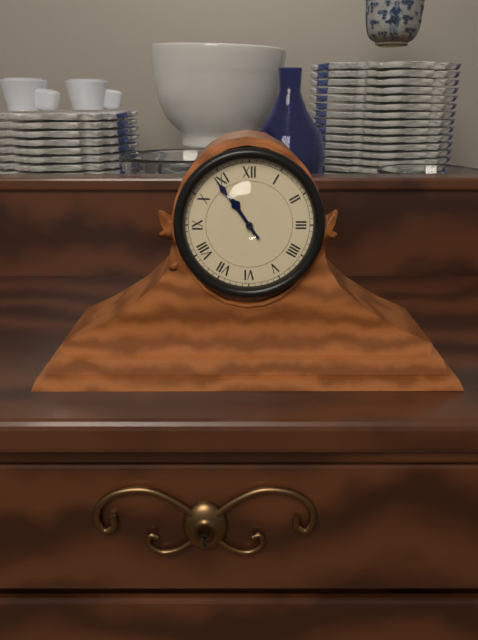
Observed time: 10.54
